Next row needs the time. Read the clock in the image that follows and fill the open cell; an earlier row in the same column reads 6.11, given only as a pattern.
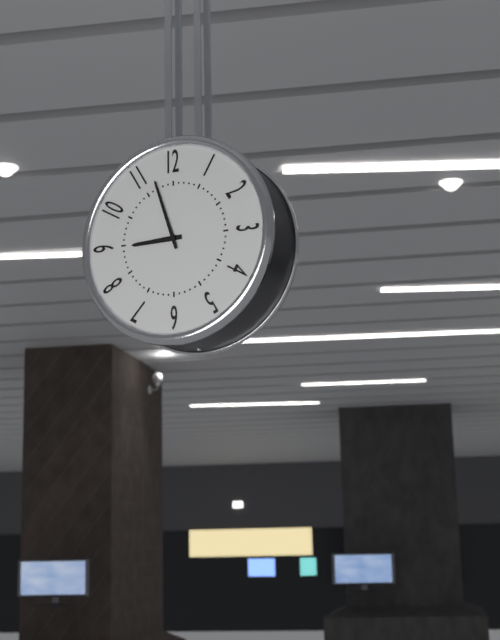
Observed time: 8.57
